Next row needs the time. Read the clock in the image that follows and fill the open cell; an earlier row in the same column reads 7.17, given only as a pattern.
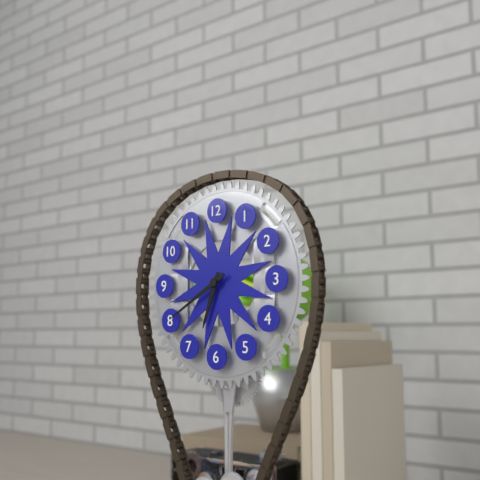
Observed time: 6.40
